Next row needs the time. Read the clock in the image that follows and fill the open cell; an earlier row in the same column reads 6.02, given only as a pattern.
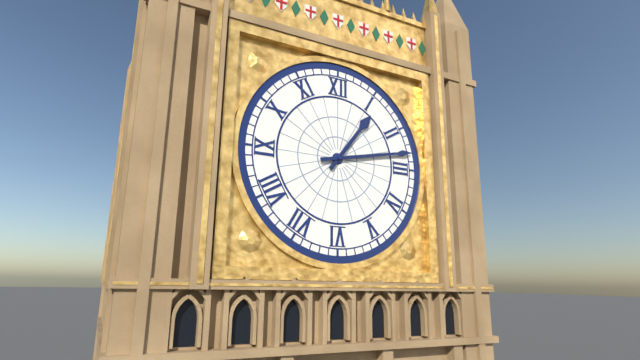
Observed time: 1.13
